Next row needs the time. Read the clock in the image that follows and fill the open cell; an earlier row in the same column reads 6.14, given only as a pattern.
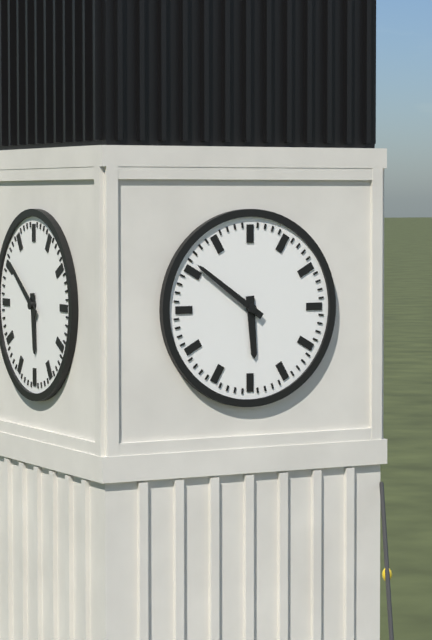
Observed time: 5.51
